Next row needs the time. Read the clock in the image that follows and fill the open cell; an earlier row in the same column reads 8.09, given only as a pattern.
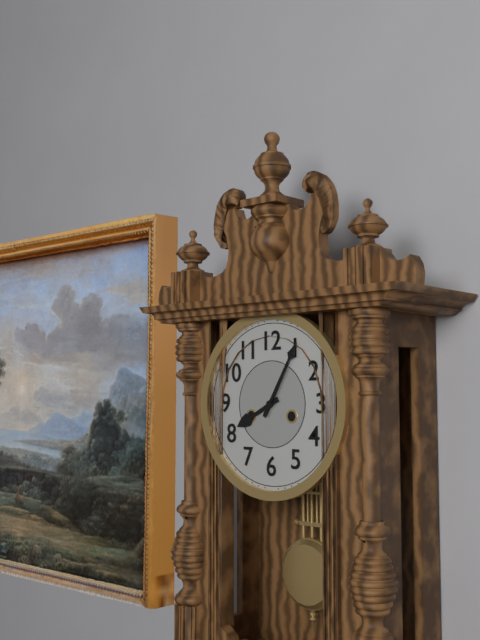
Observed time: 8.05
